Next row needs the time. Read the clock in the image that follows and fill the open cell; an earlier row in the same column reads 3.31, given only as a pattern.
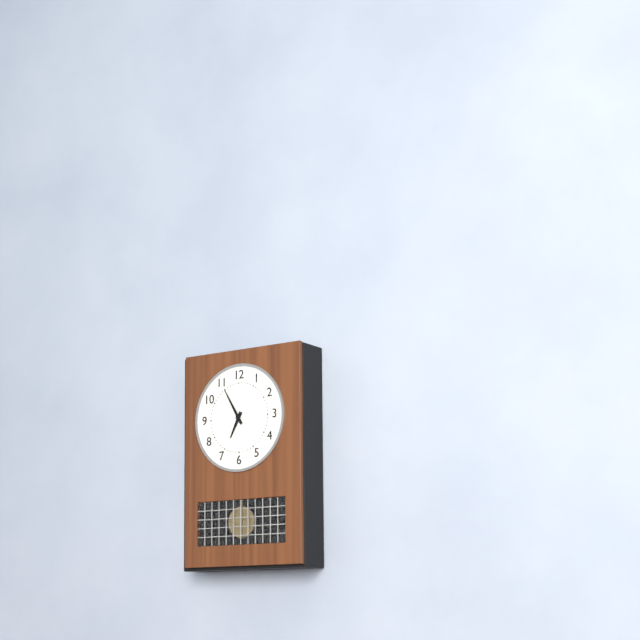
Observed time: 6.55
